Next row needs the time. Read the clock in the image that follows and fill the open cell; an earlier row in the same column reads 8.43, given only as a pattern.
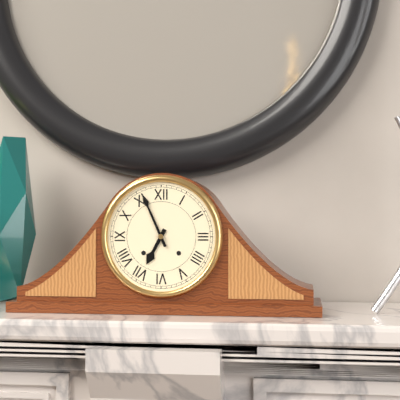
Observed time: 6.56
